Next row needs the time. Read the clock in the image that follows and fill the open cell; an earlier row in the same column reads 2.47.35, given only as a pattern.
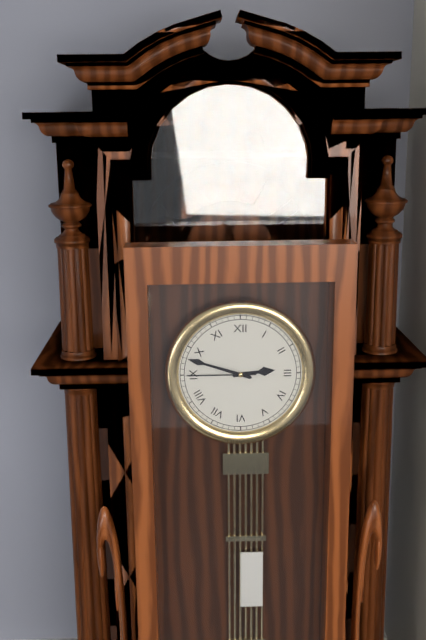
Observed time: 2.48.45
